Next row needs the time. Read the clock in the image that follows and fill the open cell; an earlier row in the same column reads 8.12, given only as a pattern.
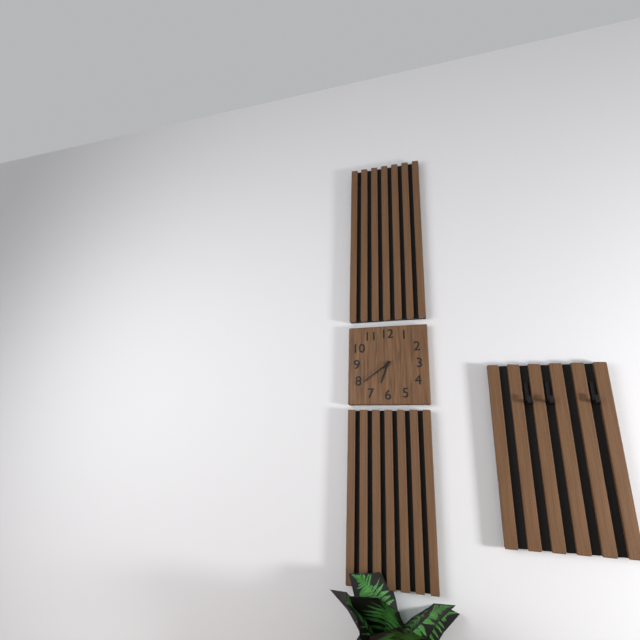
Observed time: 6.39
